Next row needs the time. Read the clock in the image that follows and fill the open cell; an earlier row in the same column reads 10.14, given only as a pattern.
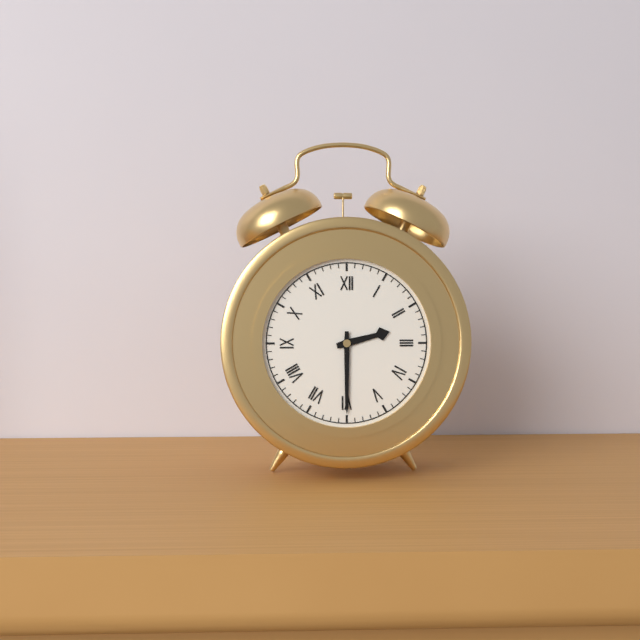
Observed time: 2.30
